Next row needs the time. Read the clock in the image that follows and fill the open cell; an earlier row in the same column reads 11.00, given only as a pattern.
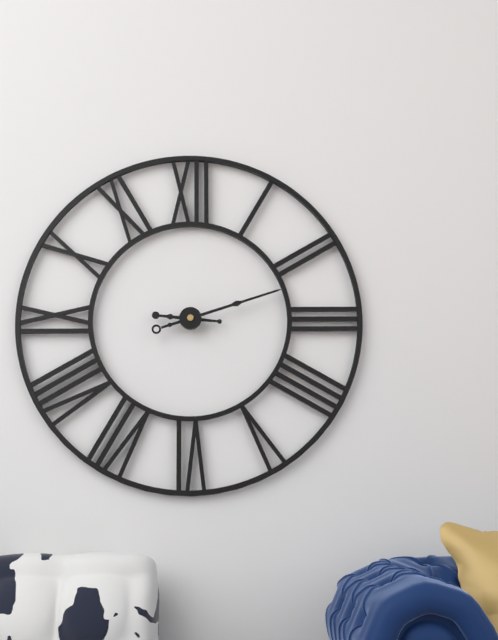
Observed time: 9.12
